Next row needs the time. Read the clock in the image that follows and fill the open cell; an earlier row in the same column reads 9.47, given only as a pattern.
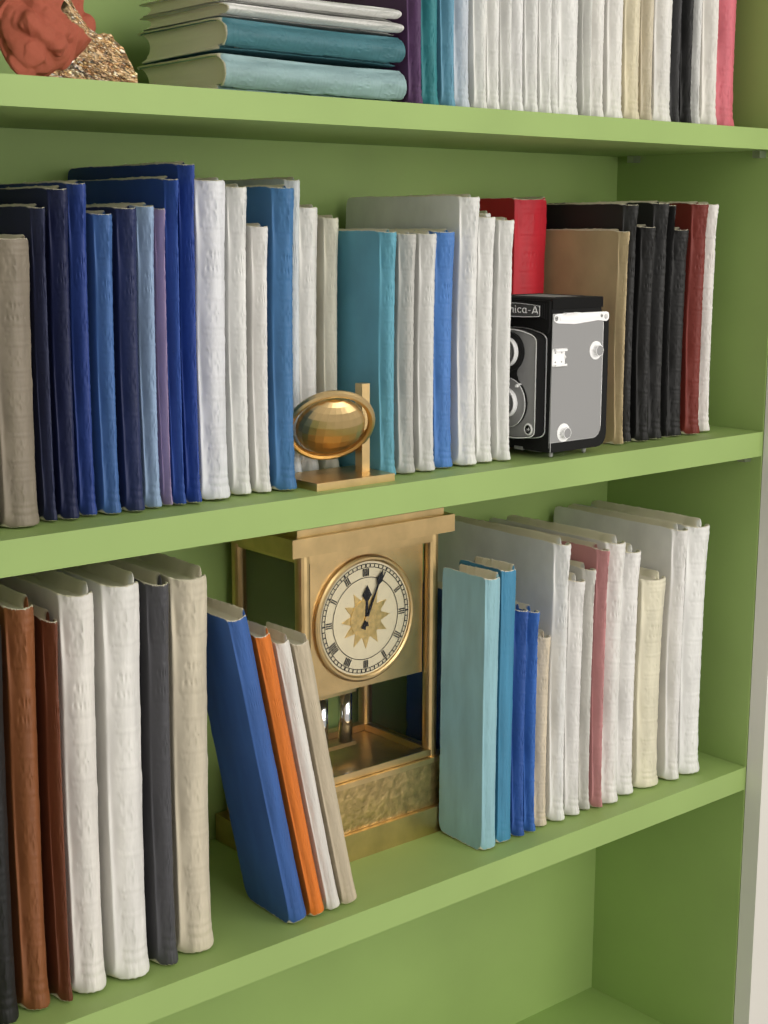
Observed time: 12.04
